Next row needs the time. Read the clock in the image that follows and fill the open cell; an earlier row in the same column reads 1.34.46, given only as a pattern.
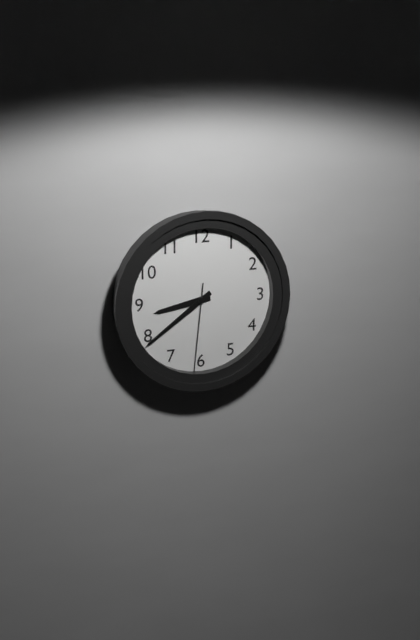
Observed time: 8.39.31
